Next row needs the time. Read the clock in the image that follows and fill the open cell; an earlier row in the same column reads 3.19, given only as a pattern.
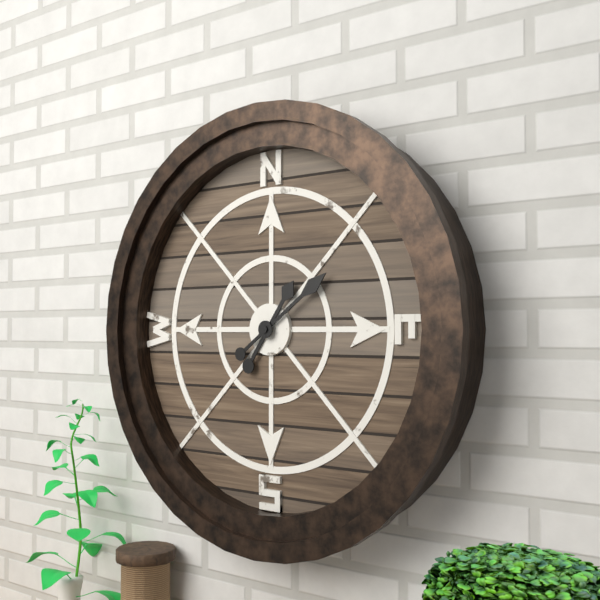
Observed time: 1.09
